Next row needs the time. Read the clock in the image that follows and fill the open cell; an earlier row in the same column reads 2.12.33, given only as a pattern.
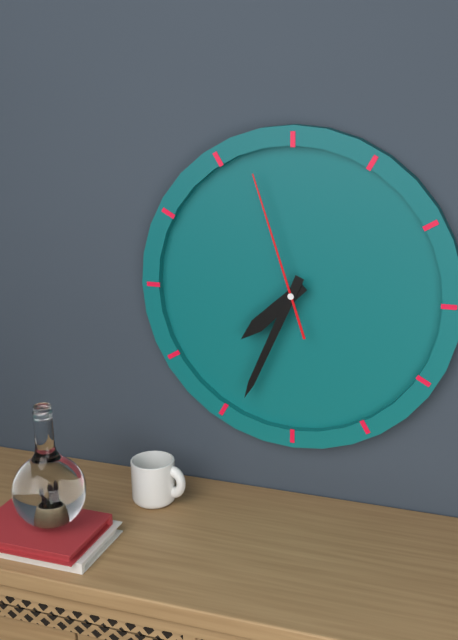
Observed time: 7.34.57
